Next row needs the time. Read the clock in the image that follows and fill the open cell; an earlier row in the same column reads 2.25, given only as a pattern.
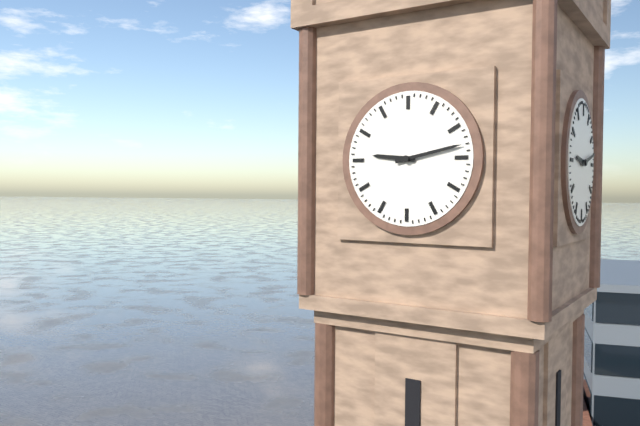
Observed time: 9.13
